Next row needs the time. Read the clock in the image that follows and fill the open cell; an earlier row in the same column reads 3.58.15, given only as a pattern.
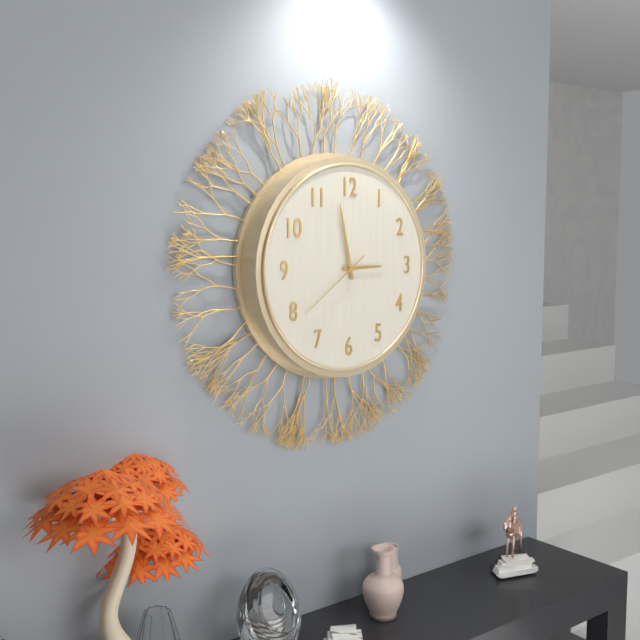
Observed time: 2.58.39
